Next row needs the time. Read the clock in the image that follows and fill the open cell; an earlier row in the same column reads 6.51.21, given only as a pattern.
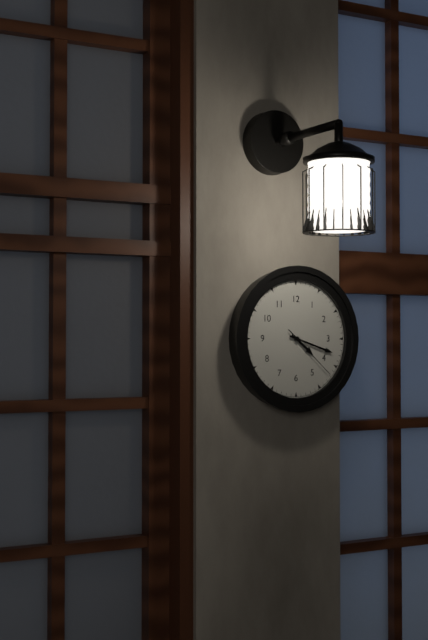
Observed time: 4.18.22
